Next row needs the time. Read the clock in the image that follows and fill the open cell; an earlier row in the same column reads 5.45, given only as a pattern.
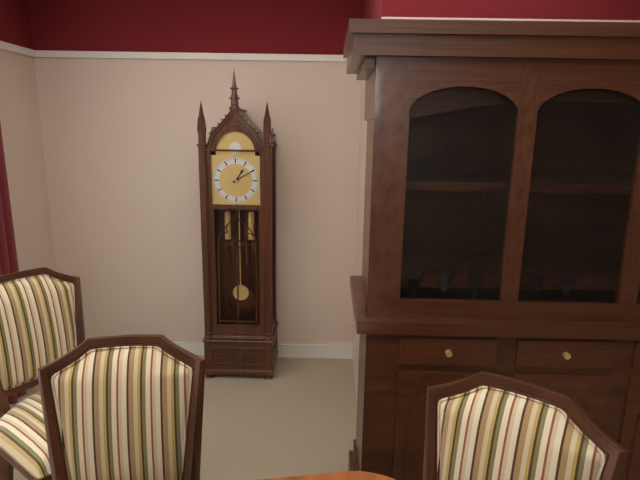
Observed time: 1.10
